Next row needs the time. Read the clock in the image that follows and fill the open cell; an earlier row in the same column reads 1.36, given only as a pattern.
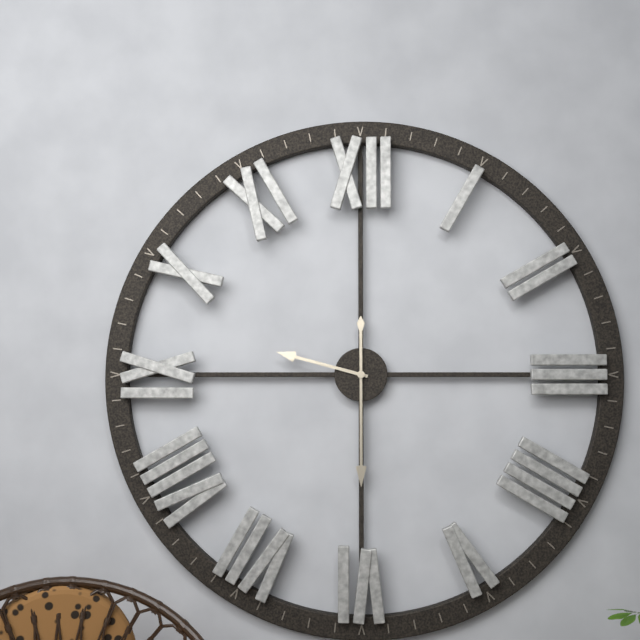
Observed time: 9.30
